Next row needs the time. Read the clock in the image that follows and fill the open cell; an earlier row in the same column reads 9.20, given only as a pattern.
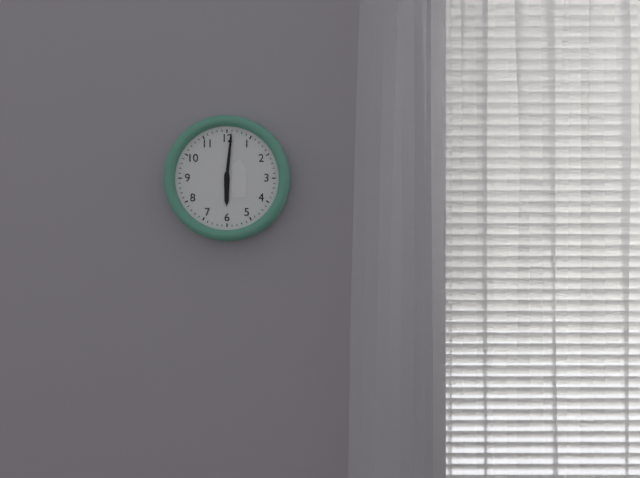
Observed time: 6.01
